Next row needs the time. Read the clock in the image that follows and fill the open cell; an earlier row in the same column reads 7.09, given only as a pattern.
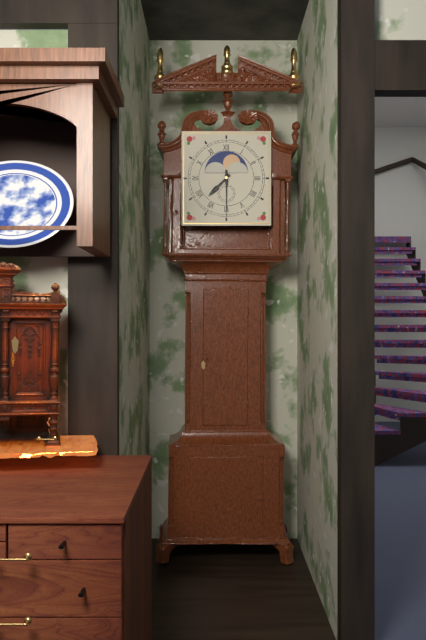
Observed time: 7.30
